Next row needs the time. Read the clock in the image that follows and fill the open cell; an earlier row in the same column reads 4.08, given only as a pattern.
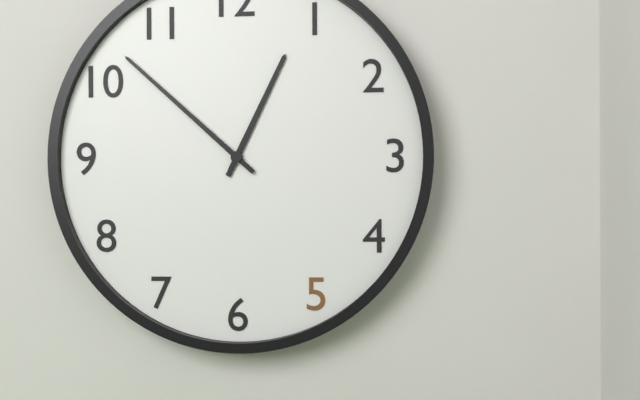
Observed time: 12.52
